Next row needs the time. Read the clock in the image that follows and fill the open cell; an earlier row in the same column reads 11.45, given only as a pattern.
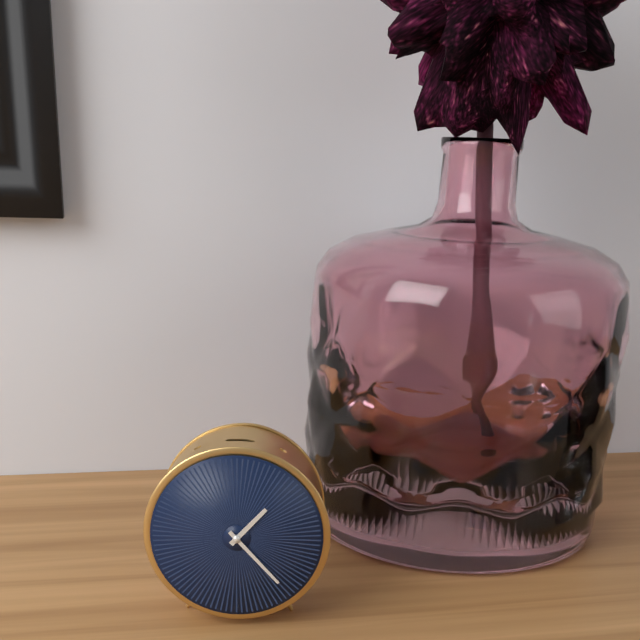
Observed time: 1.23
